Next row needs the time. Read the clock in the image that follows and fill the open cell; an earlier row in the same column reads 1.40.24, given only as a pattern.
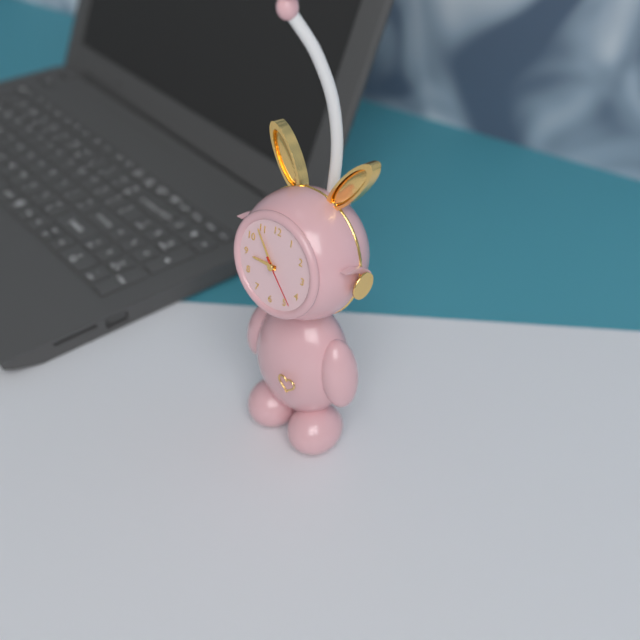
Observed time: 8.54.23
